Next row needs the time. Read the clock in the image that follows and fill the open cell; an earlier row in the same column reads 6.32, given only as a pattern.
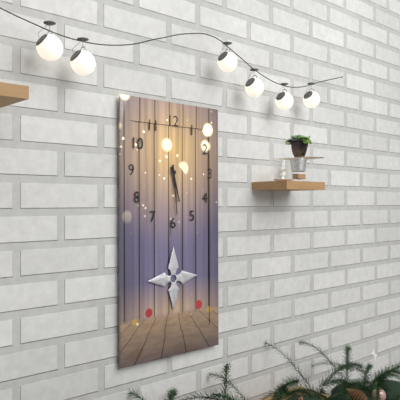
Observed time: 5.29
